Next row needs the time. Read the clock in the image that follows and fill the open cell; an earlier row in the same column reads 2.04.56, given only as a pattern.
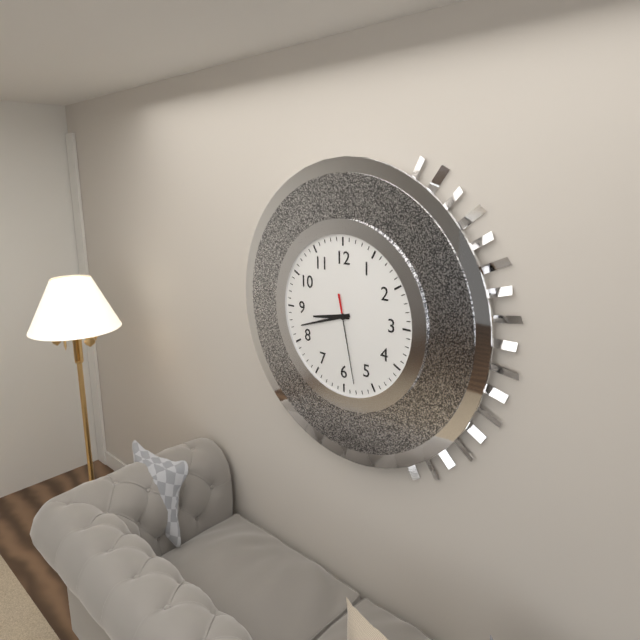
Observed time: 8.42.28
